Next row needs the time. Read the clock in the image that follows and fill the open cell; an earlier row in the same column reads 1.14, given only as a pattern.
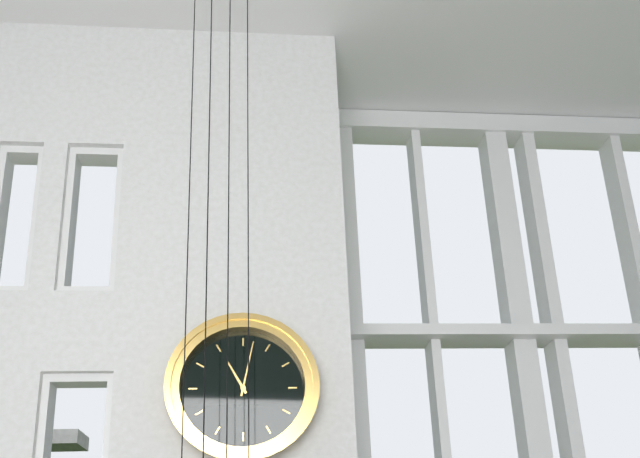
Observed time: 11.02
